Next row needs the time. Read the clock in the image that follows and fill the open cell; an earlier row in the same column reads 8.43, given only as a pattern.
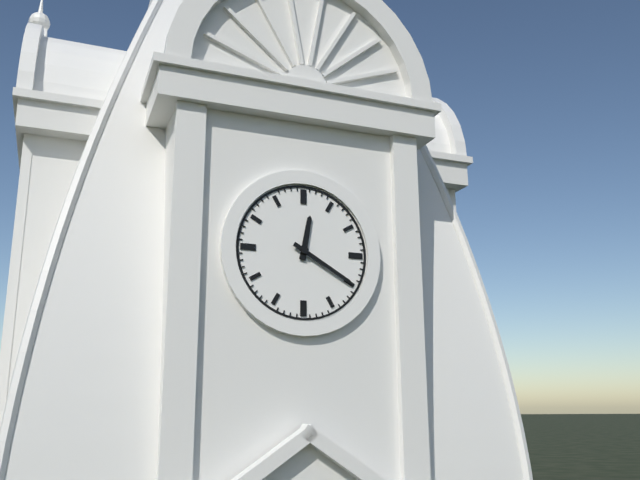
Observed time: 12.20
